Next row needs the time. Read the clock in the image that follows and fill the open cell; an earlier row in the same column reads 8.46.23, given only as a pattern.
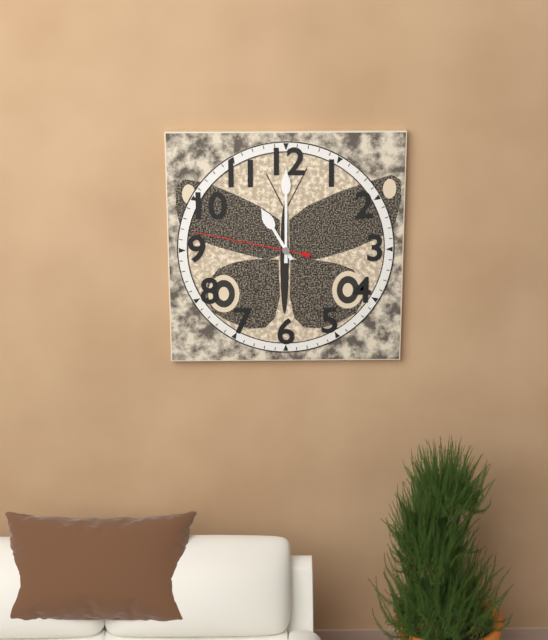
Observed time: 11.00.47
